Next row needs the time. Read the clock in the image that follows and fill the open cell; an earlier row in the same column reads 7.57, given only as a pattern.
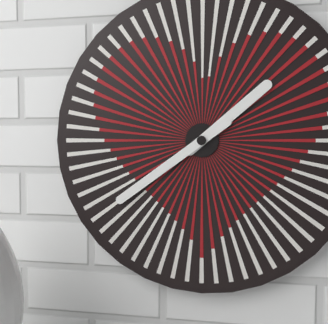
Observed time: 1.39
